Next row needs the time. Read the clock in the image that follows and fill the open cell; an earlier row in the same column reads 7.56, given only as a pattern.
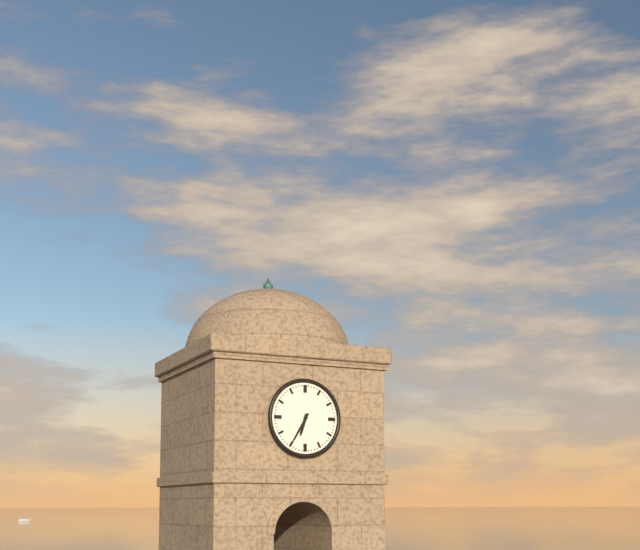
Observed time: 6.35
